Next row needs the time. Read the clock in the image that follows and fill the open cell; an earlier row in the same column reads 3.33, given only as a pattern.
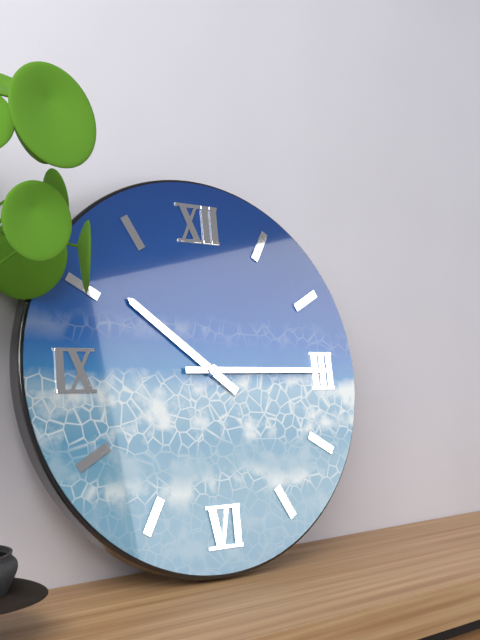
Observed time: 10.15
